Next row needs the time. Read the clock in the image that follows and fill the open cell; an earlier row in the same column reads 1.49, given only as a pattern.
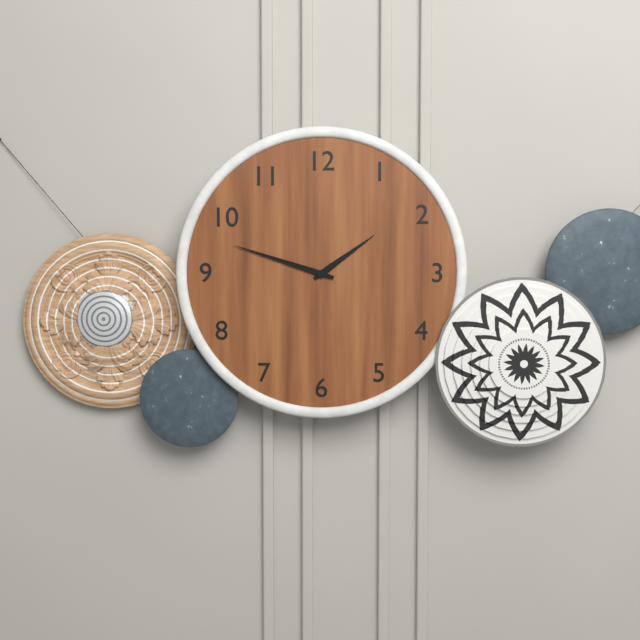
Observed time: 1.48
